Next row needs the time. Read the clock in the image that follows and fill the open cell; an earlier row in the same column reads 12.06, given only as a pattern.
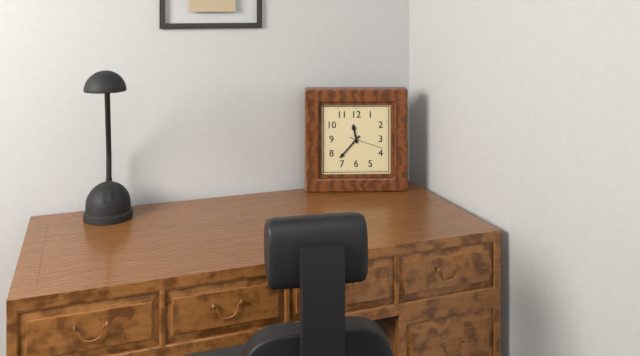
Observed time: 11.37
